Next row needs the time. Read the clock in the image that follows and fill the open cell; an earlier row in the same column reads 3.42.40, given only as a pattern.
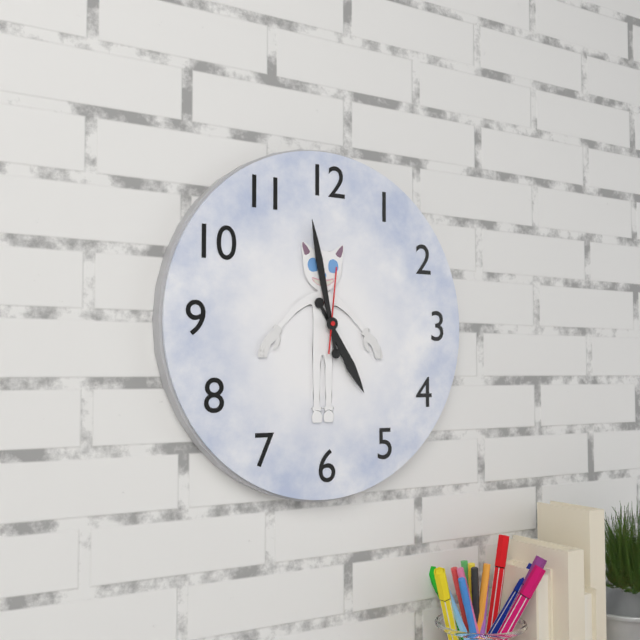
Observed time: 4.58.01
